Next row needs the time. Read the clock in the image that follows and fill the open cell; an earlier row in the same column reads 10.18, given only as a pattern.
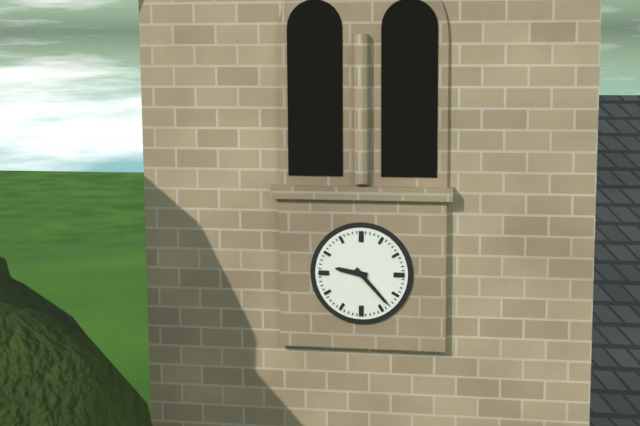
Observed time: 9.23
